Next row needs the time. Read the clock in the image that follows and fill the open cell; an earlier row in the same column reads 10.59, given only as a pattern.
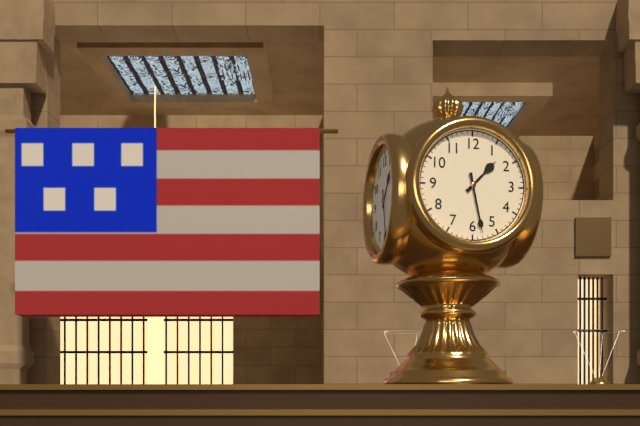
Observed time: 1.28
